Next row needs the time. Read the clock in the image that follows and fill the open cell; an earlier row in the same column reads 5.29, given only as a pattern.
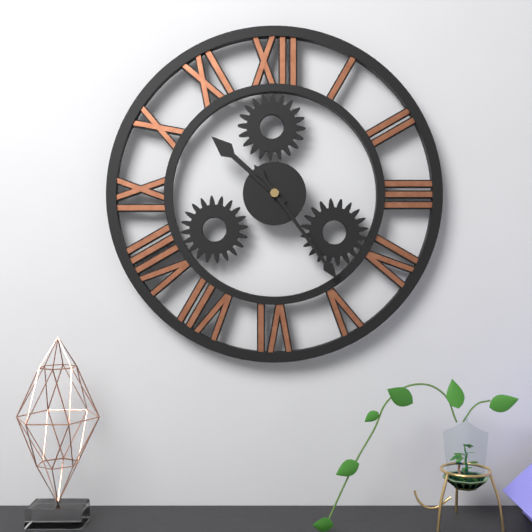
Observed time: 10.24
